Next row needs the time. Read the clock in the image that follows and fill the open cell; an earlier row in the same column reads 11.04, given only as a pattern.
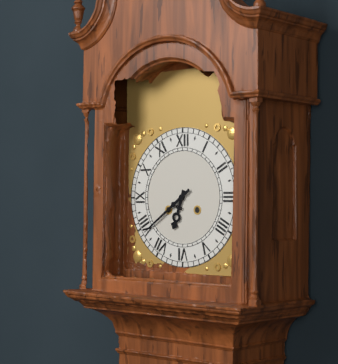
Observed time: 6.39
